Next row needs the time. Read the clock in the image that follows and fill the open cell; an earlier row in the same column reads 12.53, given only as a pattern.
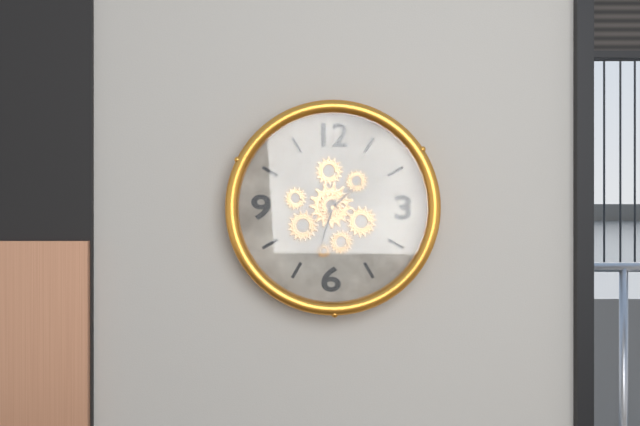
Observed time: 1.33
